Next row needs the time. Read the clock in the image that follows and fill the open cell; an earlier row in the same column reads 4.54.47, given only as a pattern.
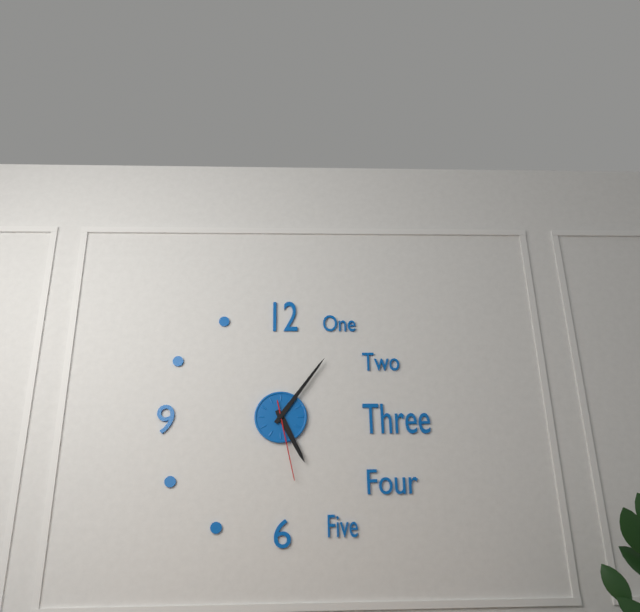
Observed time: 5.06.28
